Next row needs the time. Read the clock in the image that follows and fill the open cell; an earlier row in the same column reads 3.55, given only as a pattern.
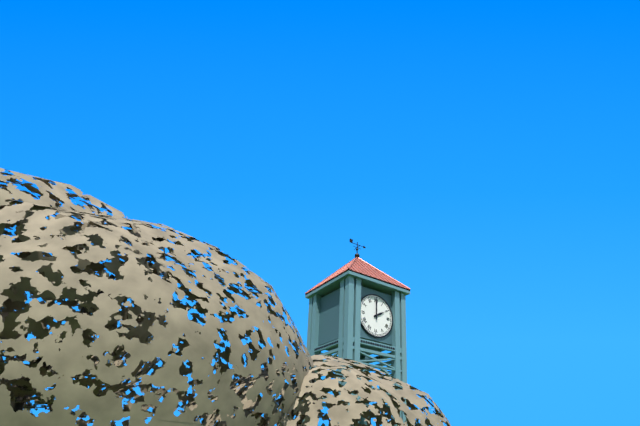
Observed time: 2.00
